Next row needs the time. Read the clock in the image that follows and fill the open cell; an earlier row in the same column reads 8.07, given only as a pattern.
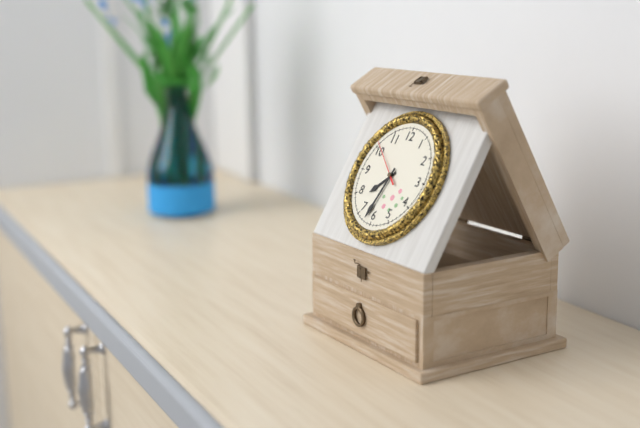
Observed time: 7.32
